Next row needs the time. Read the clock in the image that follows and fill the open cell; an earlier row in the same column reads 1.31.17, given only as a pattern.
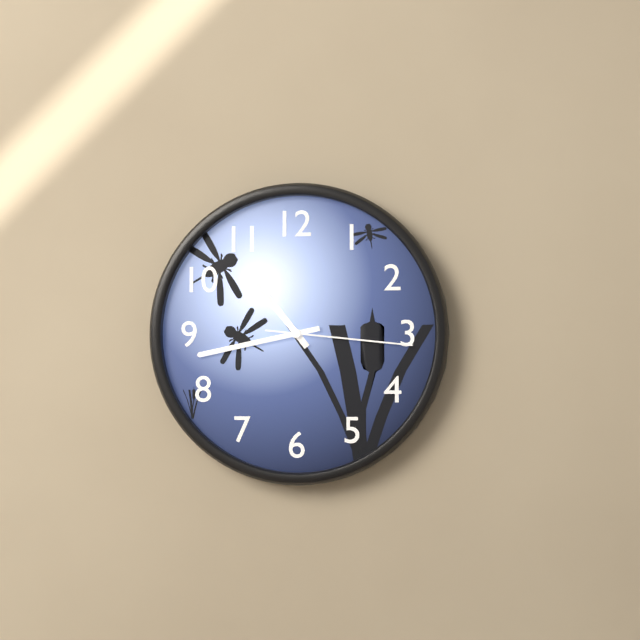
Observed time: 10.43.16
